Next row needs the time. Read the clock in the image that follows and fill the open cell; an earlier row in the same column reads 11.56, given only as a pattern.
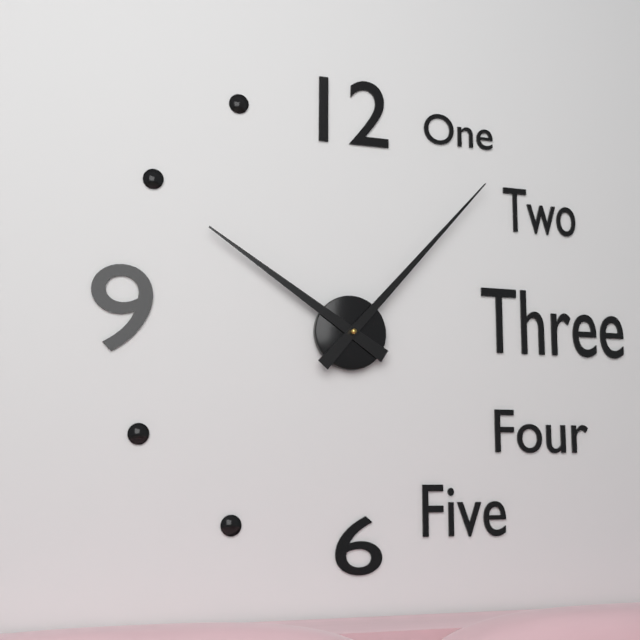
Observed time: 10.07
